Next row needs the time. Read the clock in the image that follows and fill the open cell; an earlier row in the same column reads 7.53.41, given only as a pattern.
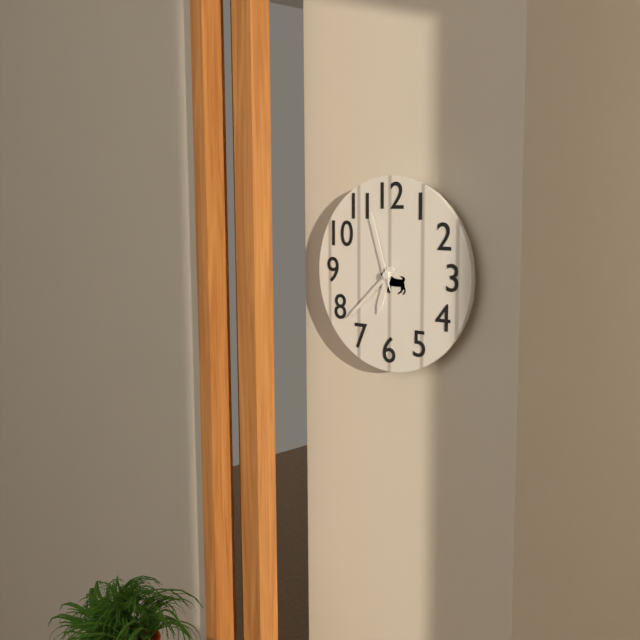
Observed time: 6.38.57
